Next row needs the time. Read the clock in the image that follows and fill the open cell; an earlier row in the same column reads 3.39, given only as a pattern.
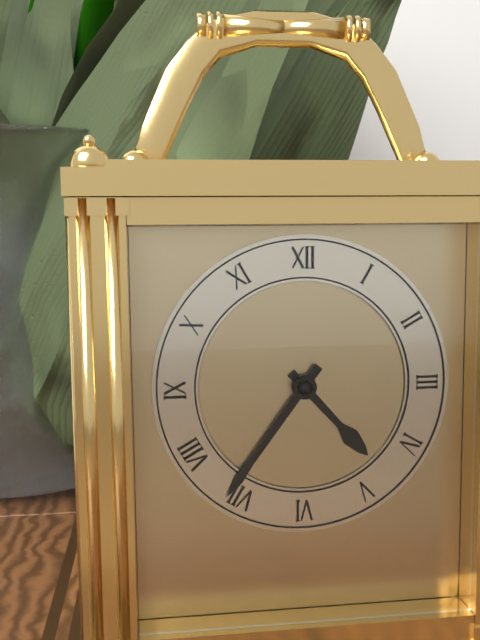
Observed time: 4.36
